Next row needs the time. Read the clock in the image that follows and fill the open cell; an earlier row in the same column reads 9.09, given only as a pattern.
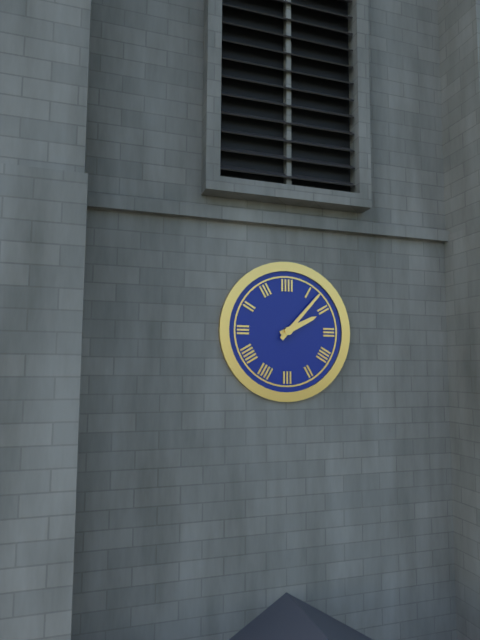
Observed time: 2.07
